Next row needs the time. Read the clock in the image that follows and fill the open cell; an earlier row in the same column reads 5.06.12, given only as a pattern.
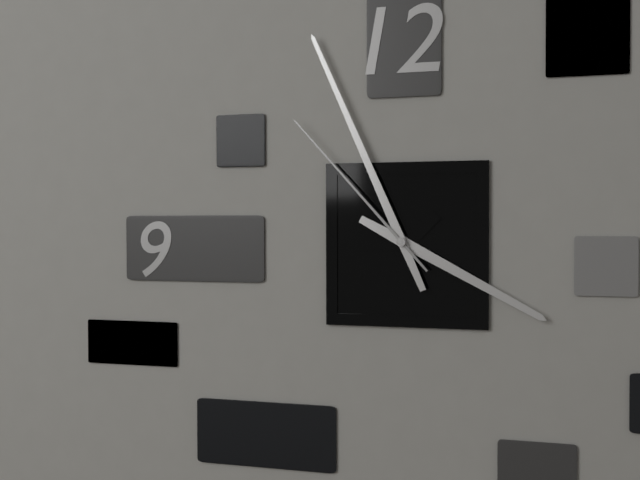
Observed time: 3.56.53
